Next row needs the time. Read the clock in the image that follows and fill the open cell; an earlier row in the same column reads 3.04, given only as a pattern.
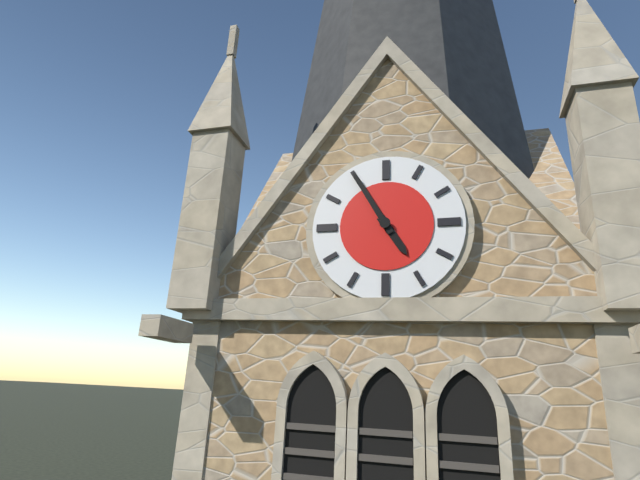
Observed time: 4.55
